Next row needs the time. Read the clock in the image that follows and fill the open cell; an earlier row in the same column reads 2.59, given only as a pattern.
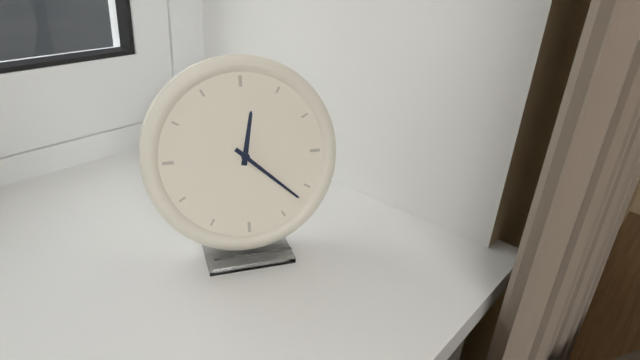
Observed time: 12.22
